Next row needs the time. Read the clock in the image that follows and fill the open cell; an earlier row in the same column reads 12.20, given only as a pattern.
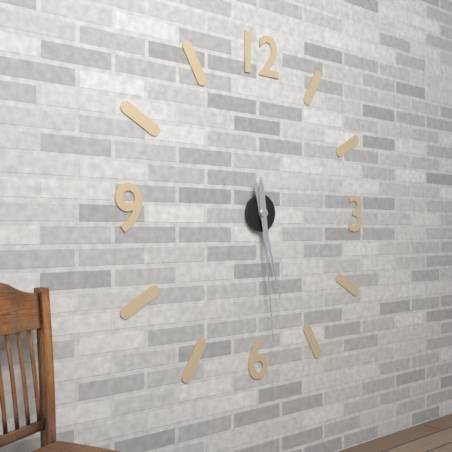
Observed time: 5.29
